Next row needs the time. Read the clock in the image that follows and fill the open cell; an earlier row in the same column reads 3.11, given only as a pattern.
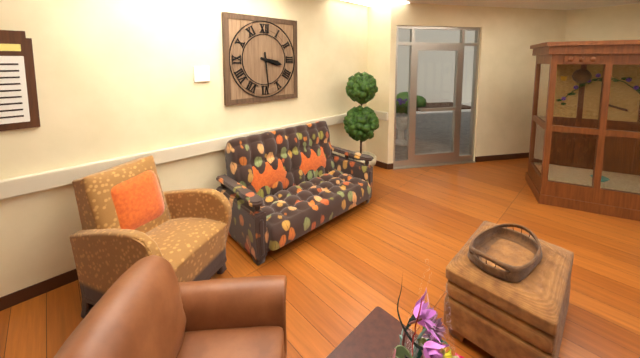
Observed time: 3.29
